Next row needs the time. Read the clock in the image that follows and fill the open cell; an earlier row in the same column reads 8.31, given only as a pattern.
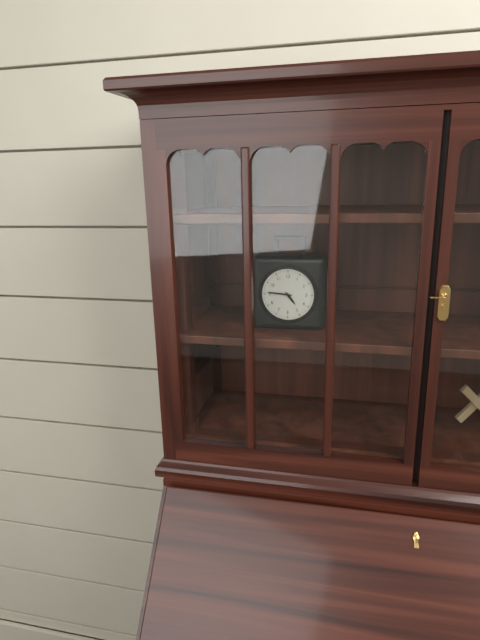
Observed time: 4.46
